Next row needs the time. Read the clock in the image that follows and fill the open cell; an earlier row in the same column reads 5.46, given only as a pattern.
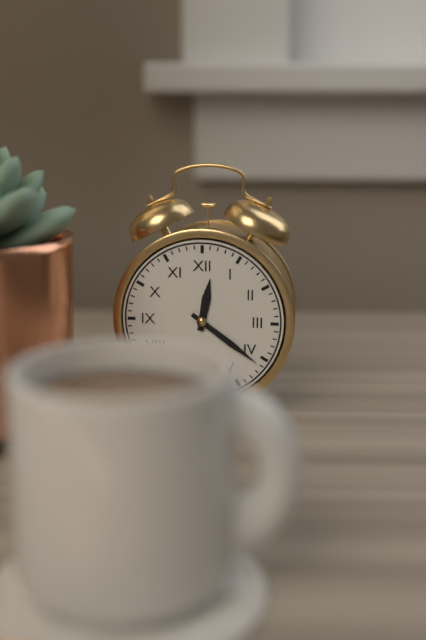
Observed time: 12.21
